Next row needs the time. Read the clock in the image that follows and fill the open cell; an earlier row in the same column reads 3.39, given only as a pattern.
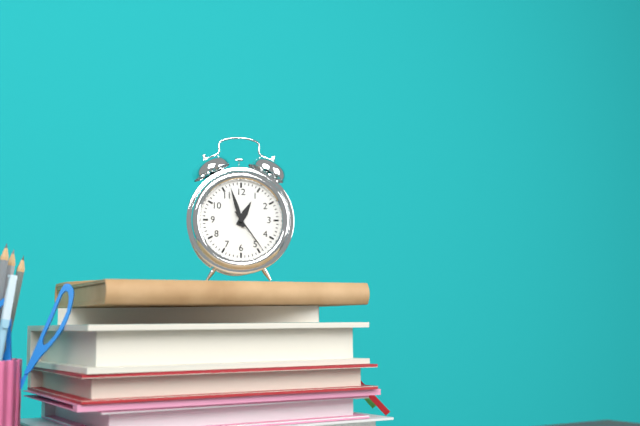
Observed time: 12.57
